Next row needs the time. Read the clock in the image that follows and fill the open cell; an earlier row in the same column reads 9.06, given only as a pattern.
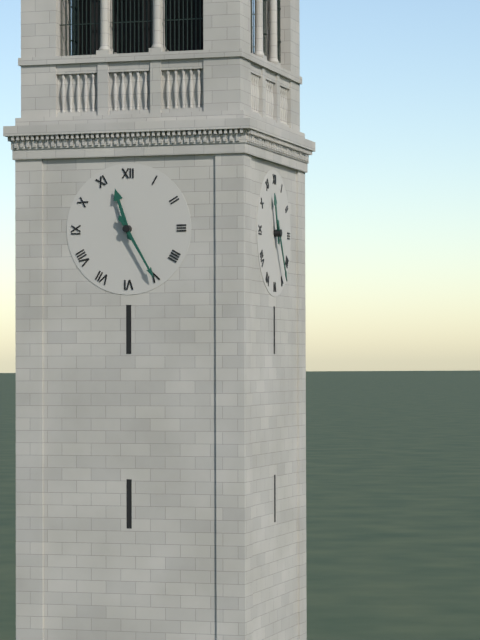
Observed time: 11.25
